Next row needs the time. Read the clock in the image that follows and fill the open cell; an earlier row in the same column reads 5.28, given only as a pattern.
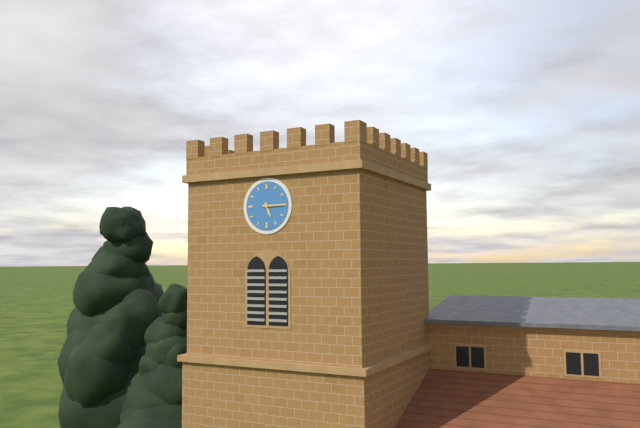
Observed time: 5.15
